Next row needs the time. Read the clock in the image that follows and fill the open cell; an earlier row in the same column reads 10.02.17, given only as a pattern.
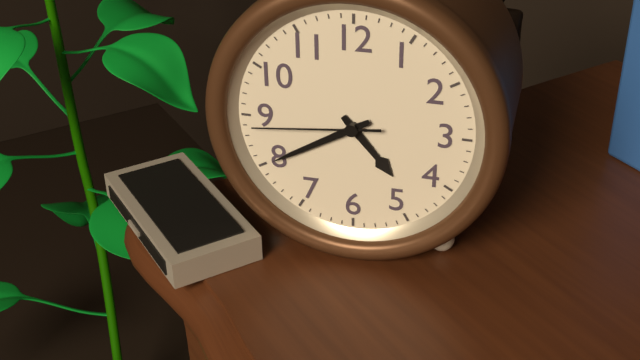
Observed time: 4.40.44
